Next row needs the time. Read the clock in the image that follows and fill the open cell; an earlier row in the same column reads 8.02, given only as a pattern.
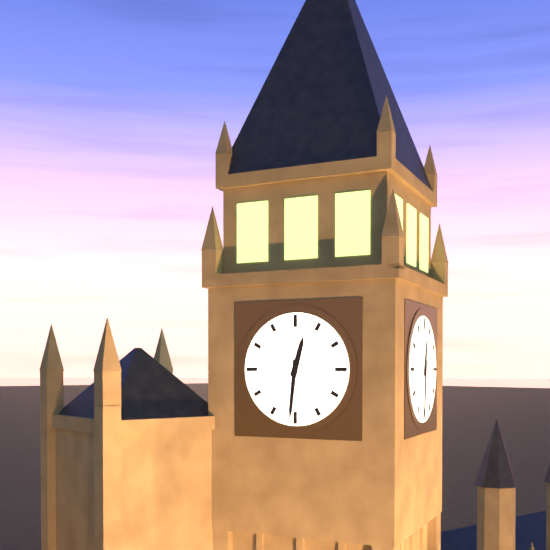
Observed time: 12.31
